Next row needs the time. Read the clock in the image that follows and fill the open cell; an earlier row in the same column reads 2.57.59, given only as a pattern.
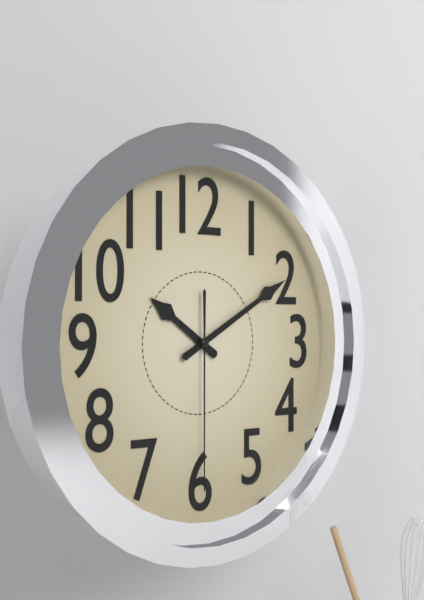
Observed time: 10.10.30
